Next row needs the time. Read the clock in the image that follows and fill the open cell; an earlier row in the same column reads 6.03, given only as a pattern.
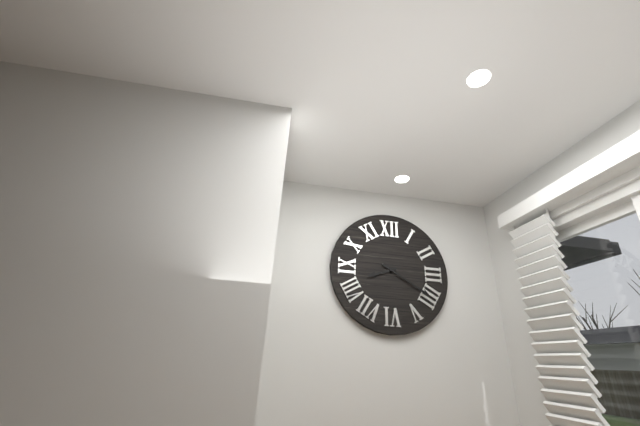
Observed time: 8.20
